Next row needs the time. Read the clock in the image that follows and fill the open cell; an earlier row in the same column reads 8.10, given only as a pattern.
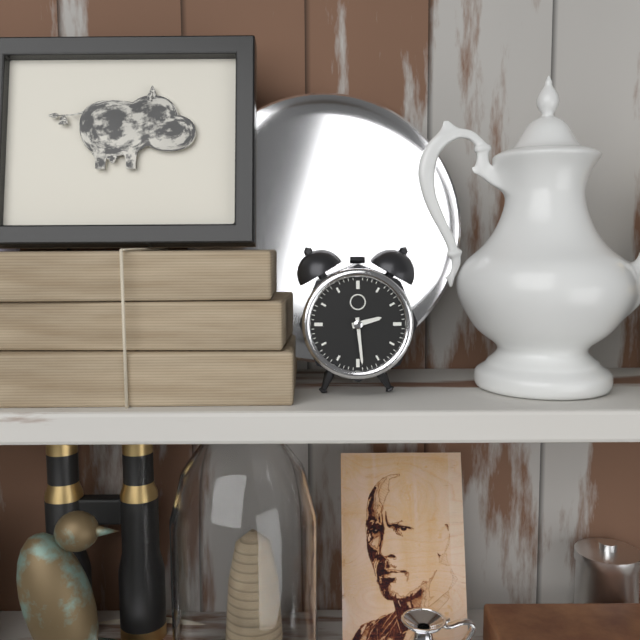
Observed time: 2.29
